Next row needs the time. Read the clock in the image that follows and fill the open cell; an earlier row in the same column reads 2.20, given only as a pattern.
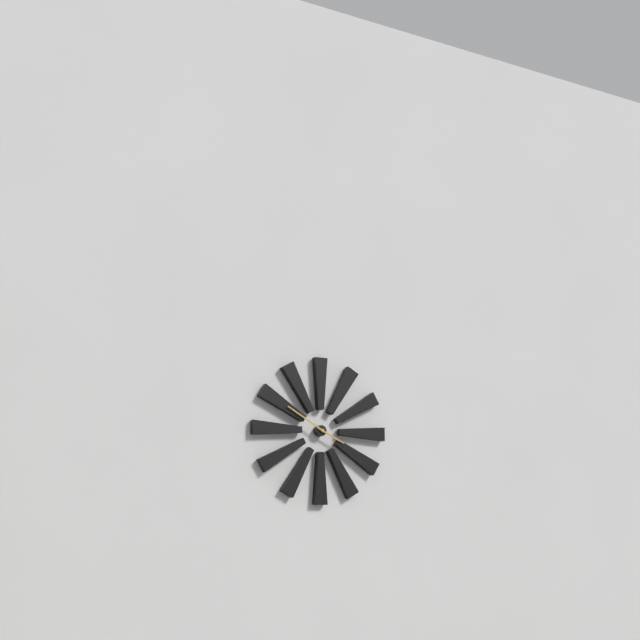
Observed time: 3.50
